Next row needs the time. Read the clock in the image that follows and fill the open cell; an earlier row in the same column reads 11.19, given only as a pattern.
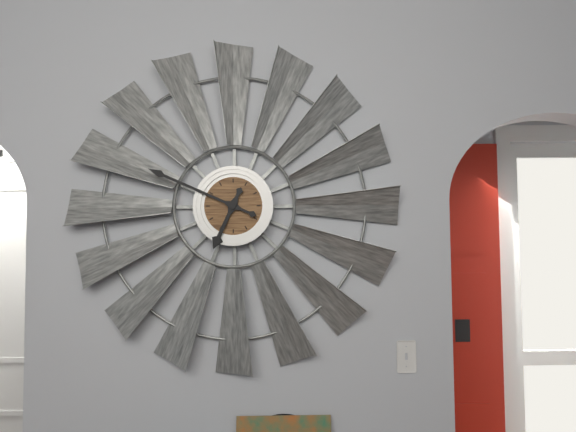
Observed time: 6.49
